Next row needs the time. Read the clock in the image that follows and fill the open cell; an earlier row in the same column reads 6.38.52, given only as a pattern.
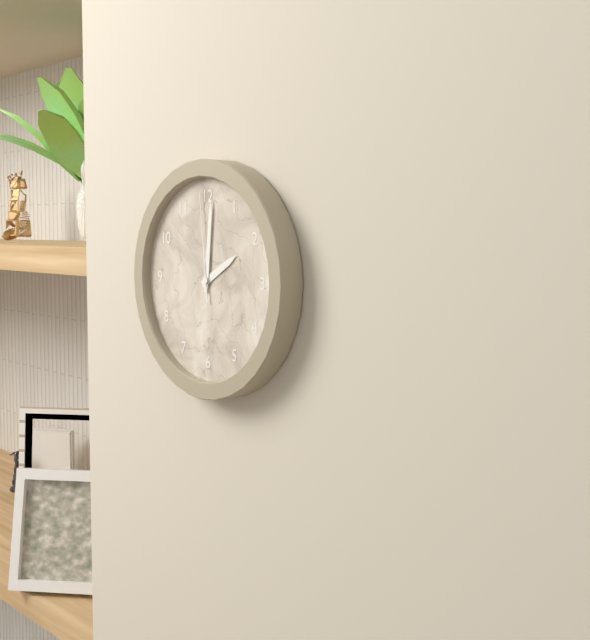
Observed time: 2.01.59
